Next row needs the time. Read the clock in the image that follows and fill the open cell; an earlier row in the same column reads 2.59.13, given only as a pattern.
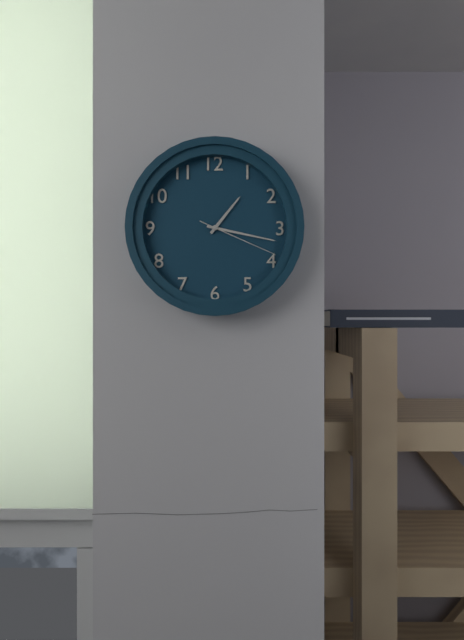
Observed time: 1.17.19
